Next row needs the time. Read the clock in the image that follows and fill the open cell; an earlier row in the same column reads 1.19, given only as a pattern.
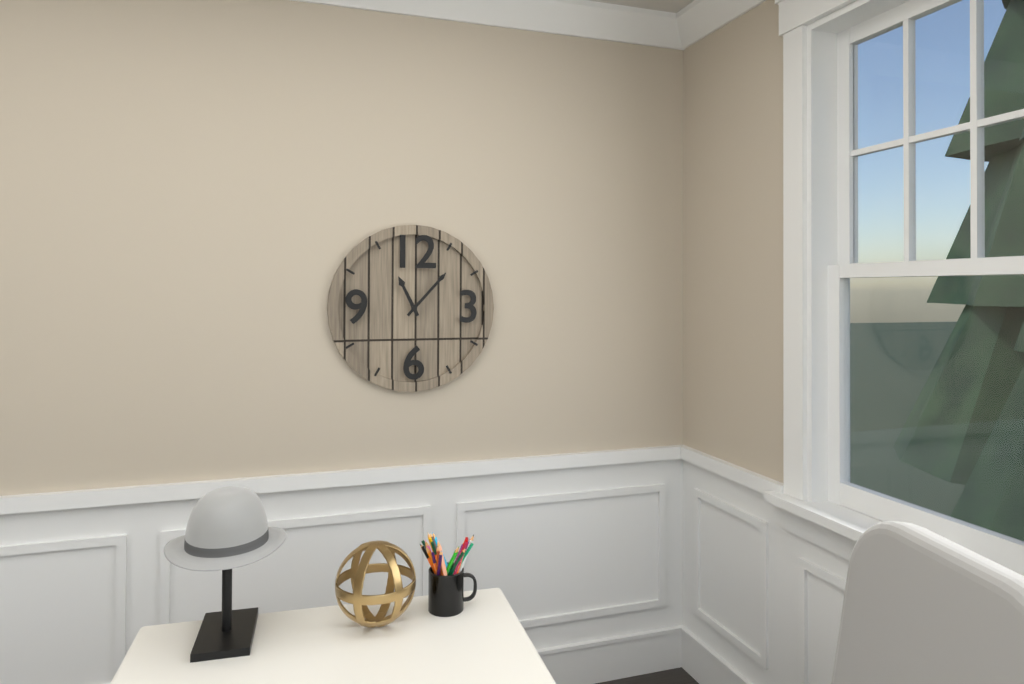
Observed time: 11.07
